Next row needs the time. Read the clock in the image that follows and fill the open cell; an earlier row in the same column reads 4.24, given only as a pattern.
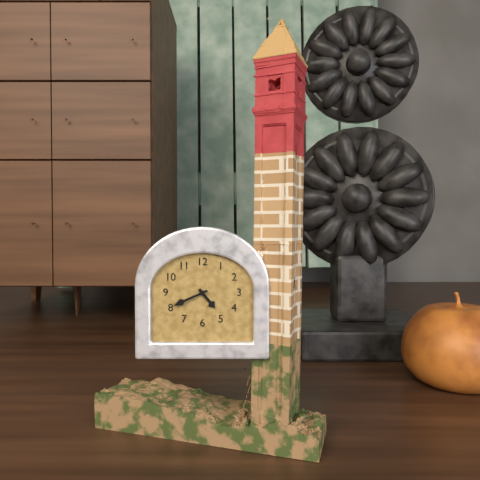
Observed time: 4.41
